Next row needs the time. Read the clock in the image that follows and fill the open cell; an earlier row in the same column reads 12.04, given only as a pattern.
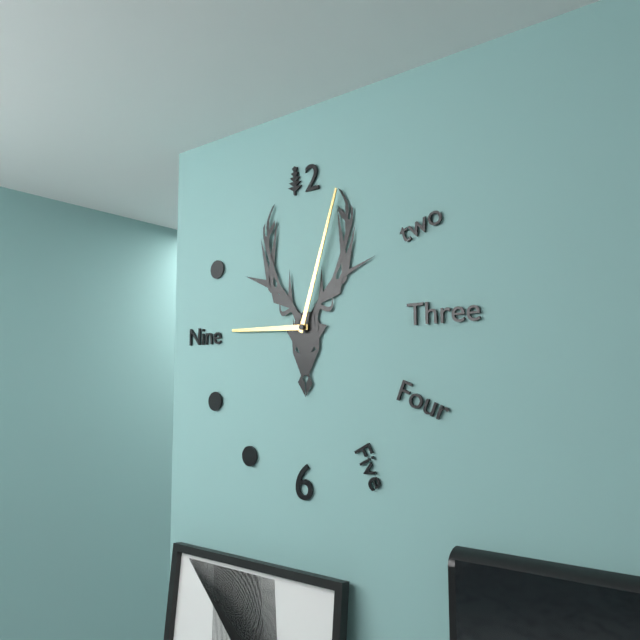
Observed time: 9.03
